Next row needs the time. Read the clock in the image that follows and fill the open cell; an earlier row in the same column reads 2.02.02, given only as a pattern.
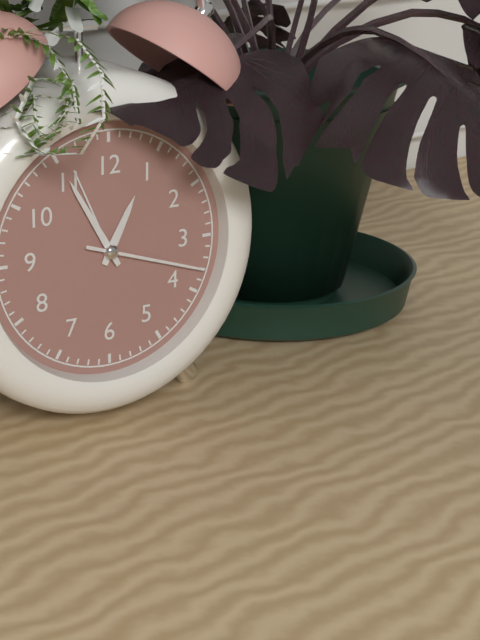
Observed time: 12.55.18
